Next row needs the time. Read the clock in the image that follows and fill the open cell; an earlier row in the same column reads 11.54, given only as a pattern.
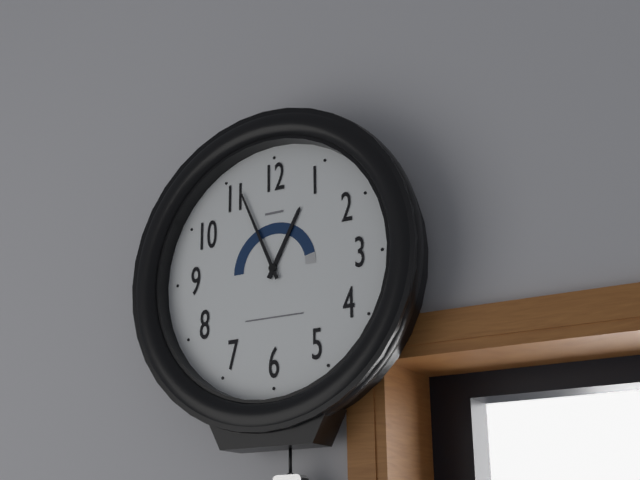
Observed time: 12.56
